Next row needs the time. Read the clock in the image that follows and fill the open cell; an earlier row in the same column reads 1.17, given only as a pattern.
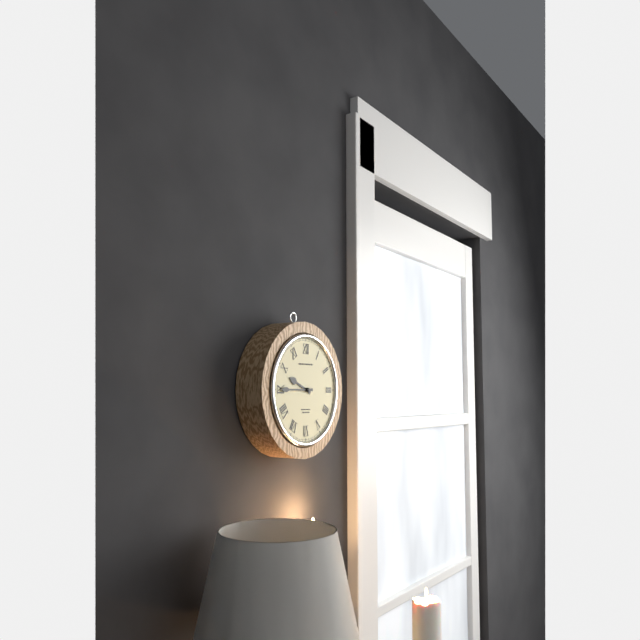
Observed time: 9.45
